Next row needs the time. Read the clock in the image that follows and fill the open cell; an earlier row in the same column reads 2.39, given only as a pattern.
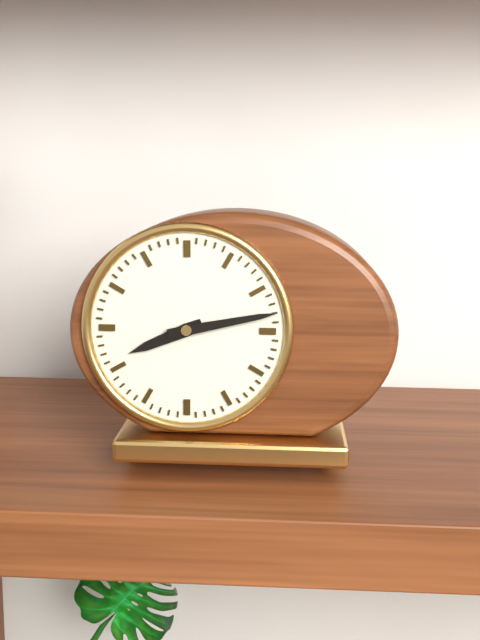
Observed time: 8.13
